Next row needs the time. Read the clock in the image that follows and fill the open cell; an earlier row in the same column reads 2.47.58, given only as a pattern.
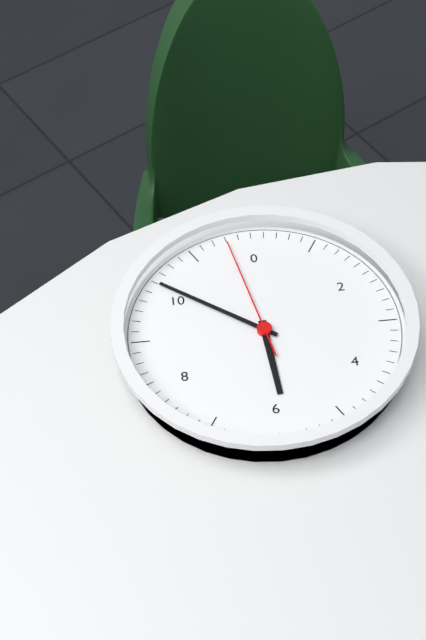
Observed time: 5.51.58
